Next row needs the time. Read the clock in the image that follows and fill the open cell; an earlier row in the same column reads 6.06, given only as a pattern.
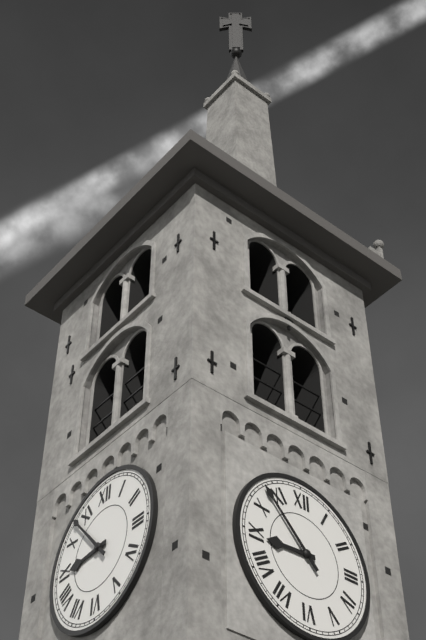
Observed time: 8.53
